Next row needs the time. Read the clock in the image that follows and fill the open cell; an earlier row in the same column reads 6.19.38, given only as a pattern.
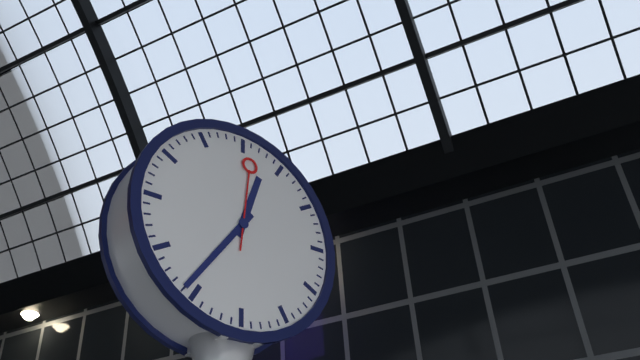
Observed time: 12.36.01
